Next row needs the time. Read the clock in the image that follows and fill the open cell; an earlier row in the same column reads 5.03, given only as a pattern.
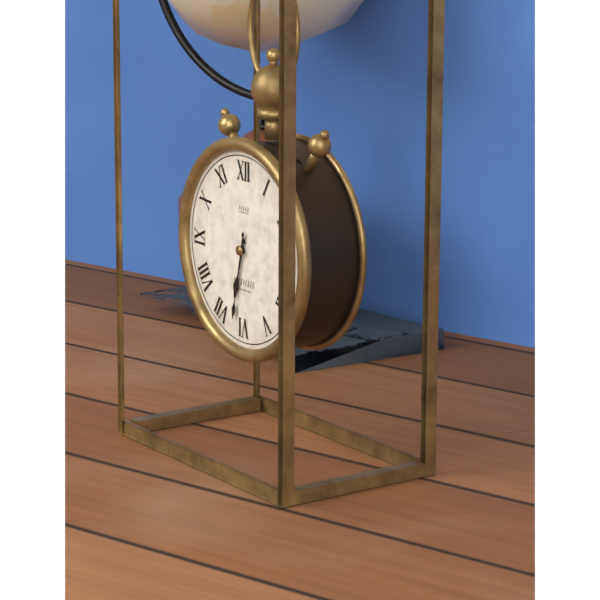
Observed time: 6.32
